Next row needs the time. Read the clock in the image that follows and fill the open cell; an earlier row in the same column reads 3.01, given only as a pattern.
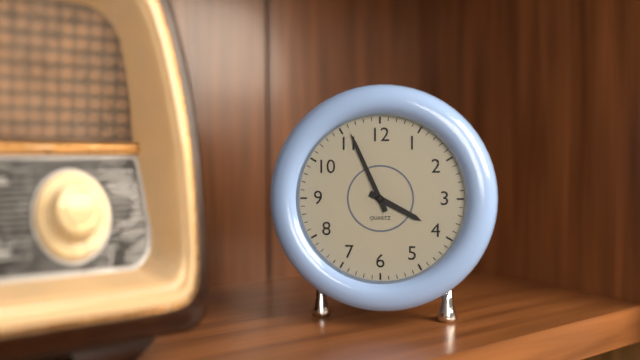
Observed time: 3.56
